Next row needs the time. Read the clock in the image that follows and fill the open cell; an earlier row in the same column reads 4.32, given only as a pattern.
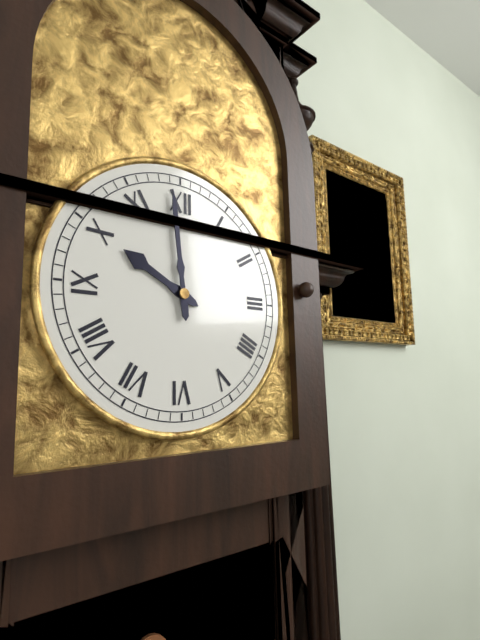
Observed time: 9.59
